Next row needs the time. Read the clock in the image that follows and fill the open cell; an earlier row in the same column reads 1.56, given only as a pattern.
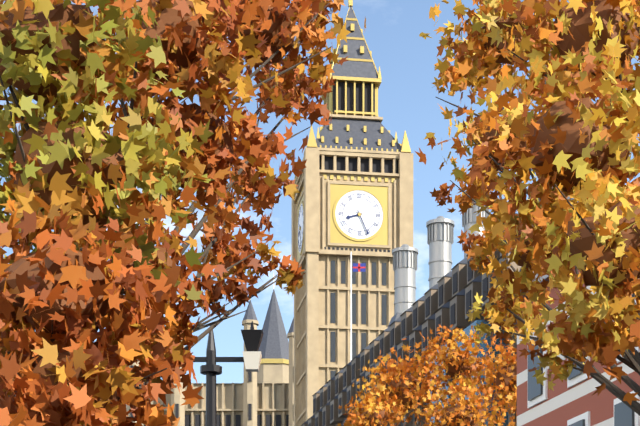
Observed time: 8.26
